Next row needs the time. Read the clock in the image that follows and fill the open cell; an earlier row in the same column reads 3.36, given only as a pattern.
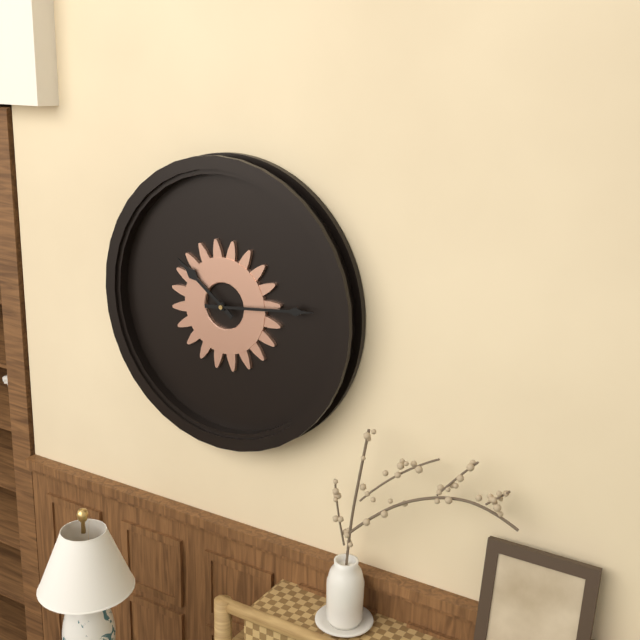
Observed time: 10.14
